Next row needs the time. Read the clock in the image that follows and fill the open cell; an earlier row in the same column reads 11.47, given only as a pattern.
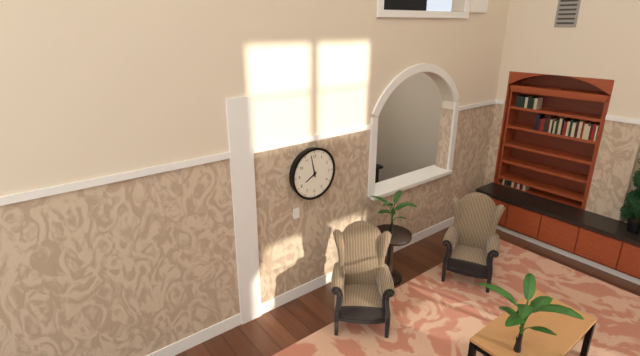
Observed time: 7.58
